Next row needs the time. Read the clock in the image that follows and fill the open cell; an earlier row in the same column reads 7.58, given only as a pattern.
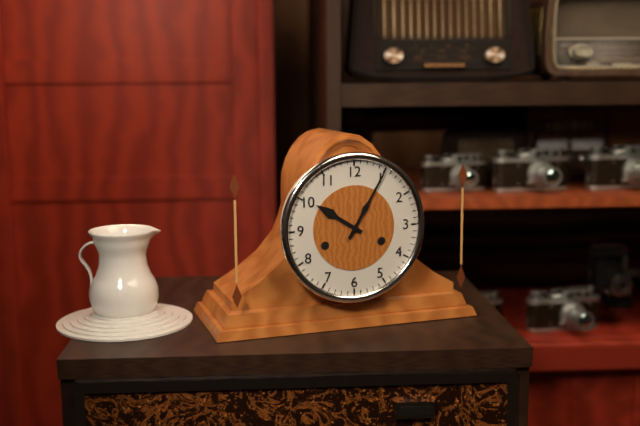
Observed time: 10.05
